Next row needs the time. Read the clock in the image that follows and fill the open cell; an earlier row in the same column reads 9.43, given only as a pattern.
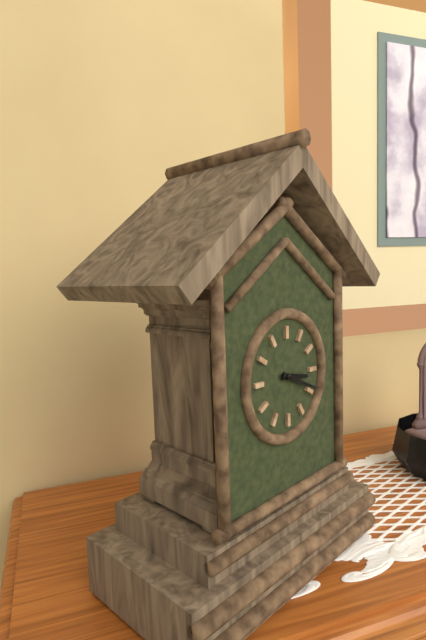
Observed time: 3.19
